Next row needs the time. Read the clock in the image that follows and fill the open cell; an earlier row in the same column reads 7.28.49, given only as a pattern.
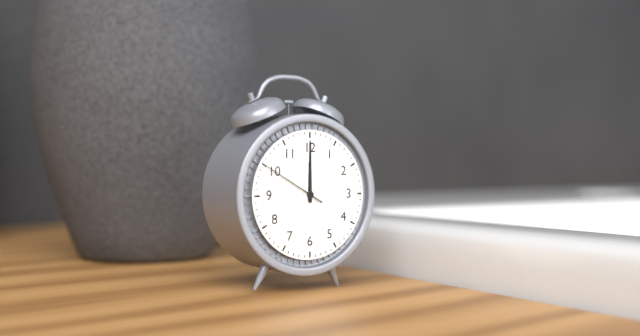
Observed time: 12.00.50
